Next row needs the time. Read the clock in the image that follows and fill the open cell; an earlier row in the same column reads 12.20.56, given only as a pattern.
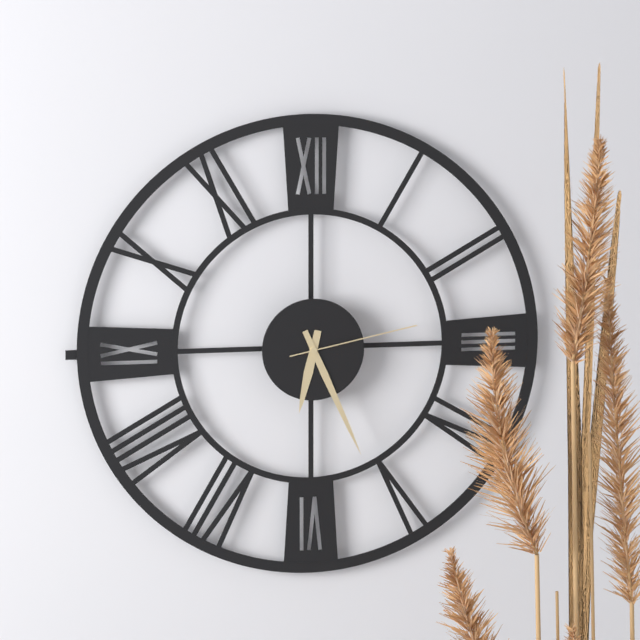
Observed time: 6.26.13
